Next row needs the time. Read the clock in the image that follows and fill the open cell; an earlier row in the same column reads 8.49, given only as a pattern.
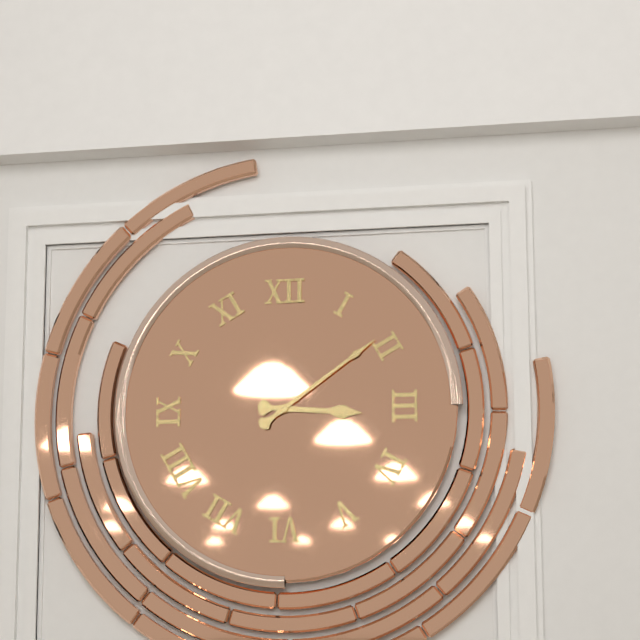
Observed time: 3.09
